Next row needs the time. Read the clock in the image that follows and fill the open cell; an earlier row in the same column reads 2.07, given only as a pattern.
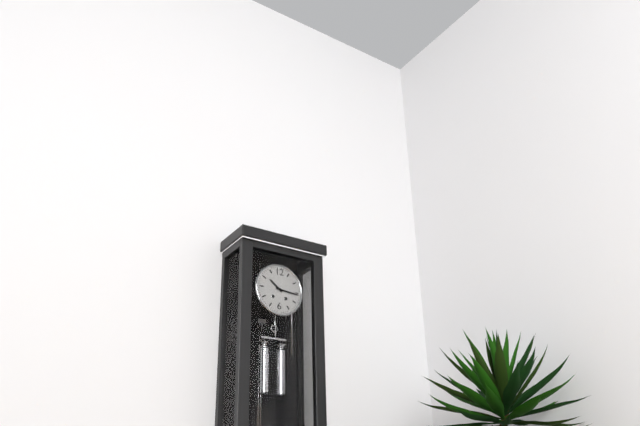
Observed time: 10.16
